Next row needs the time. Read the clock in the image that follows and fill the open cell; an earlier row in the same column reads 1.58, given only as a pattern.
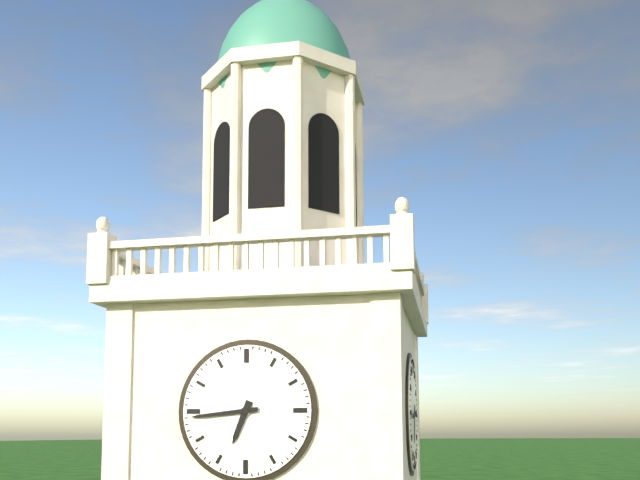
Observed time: 6.44
